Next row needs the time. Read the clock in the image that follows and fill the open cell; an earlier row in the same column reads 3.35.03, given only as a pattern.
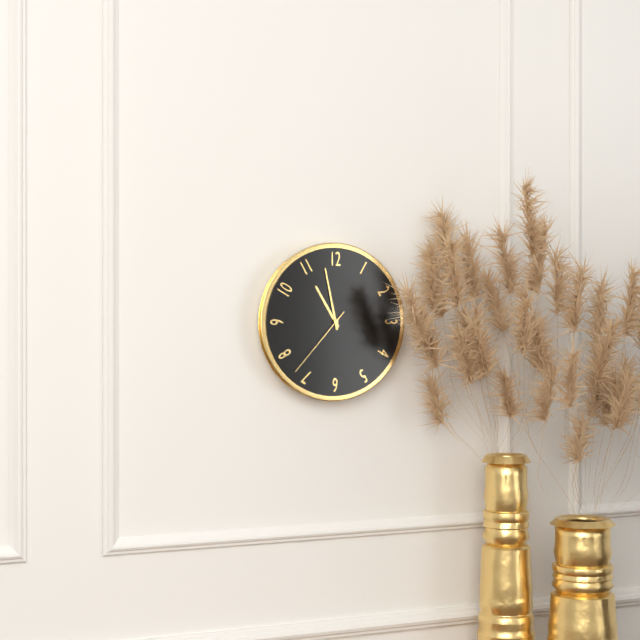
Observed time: 10.58.37
